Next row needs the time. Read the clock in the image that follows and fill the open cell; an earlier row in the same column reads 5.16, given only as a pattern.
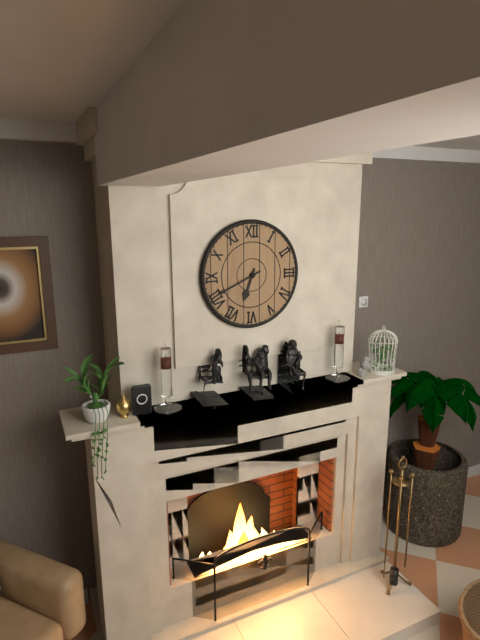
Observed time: 6.41
